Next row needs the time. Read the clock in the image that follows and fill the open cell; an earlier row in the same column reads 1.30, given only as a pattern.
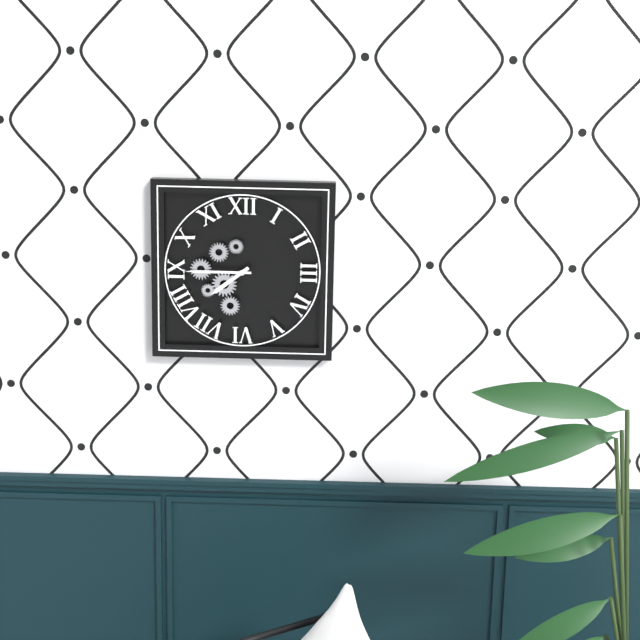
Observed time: 7.45
